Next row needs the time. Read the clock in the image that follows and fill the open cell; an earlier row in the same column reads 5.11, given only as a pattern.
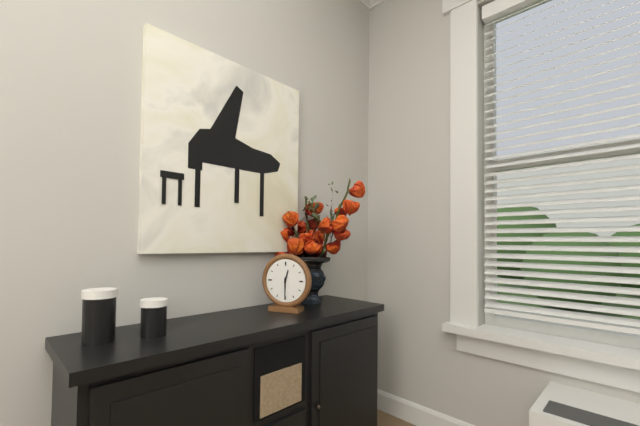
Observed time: 12.30
